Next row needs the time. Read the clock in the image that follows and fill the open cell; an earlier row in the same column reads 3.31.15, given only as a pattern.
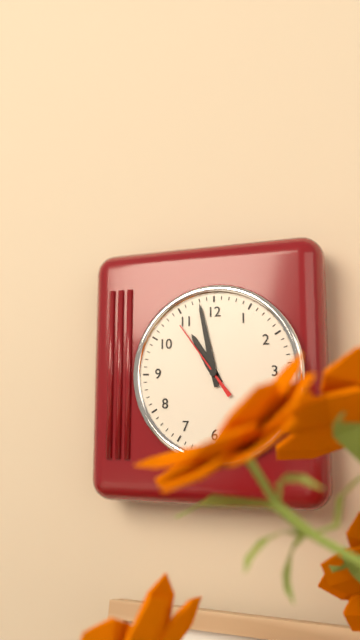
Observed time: 10.58.54
